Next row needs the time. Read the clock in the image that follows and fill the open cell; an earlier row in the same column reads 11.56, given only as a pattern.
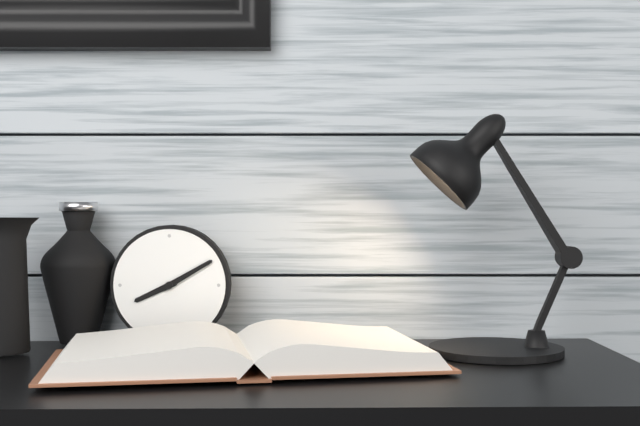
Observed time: 8.10
